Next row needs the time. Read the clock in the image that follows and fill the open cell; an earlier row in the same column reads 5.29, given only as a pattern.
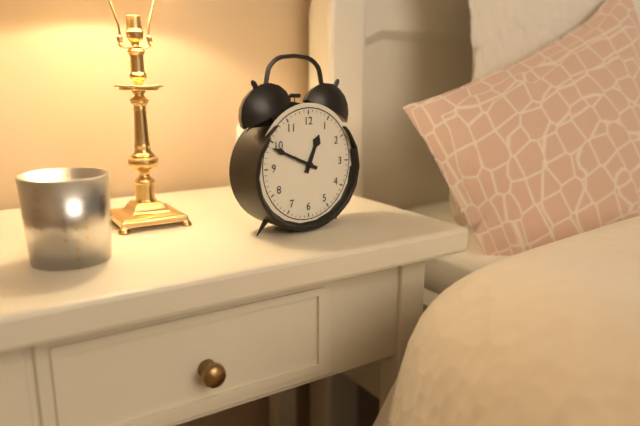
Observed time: 12.49
